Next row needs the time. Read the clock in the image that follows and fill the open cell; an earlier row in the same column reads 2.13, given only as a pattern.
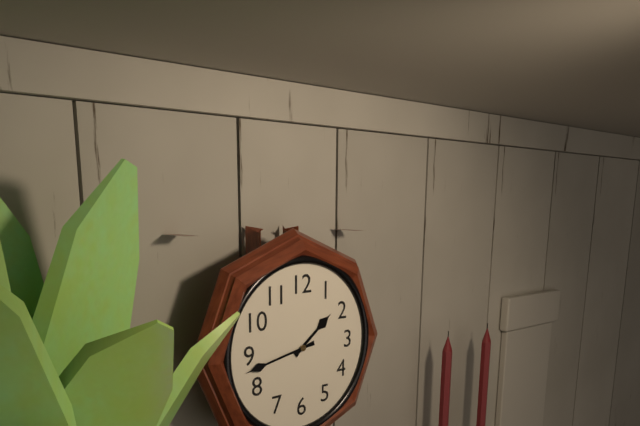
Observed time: 1.43
